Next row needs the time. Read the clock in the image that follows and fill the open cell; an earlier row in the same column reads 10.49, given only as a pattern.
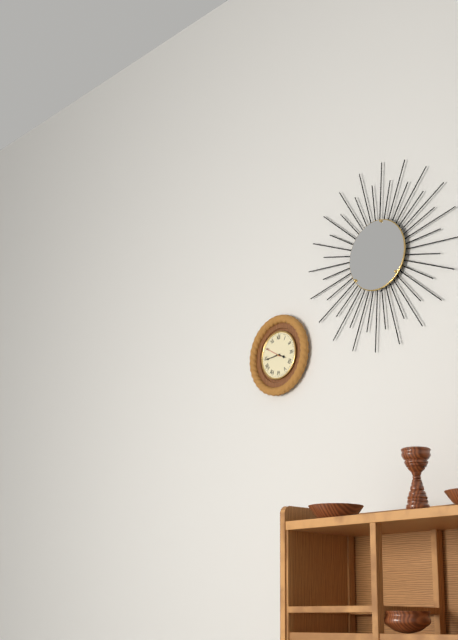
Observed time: 3.44
